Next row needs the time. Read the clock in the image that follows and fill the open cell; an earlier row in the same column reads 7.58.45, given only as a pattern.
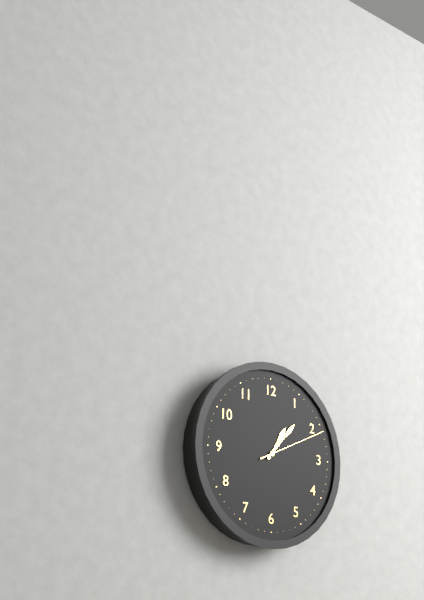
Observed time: 1.07.11
